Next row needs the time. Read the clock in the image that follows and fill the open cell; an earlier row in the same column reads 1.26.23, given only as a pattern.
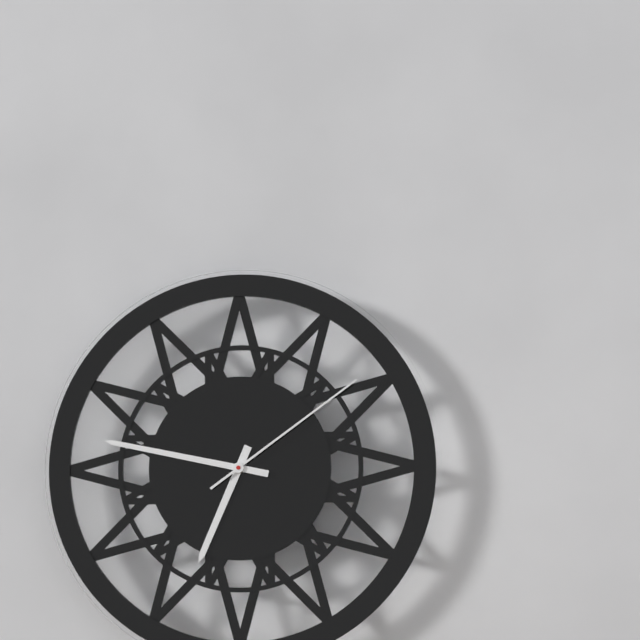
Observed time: 6.47.09
